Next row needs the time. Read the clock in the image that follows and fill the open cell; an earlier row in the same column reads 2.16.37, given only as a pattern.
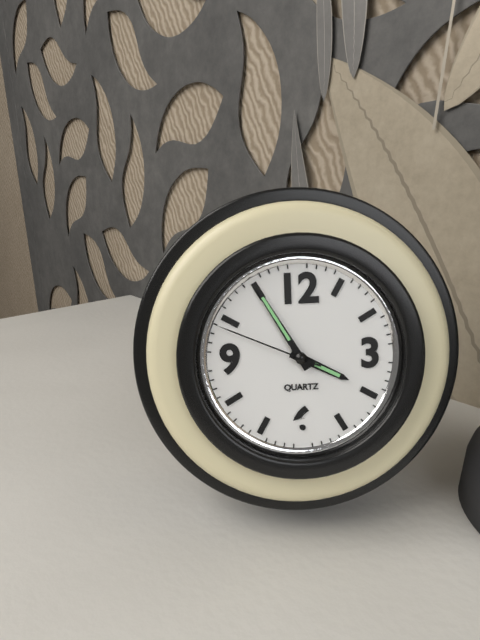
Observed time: 3.55.49
